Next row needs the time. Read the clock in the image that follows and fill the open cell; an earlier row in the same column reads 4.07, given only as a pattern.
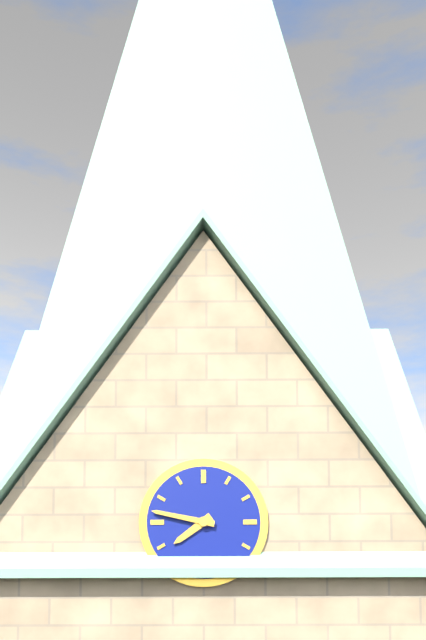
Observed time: 7.47
